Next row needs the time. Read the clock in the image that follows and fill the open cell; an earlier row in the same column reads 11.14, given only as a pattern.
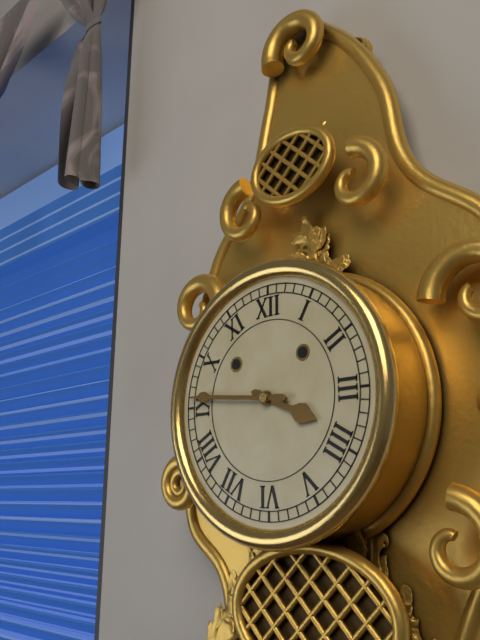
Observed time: 3.46
